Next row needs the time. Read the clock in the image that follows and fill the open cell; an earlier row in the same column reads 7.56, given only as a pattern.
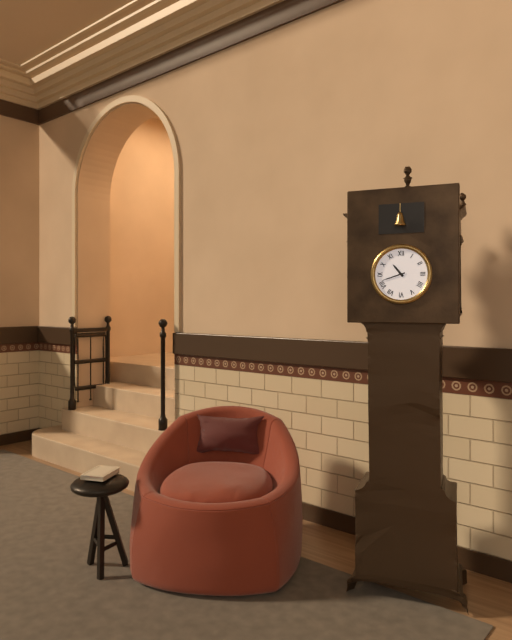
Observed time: 10.42
